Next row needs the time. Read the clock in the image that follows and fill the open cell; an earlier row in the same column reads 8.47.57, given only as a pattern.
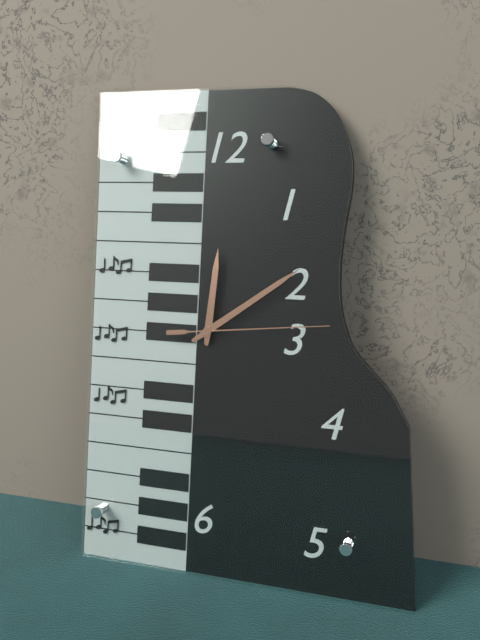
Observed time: 12.09.14
